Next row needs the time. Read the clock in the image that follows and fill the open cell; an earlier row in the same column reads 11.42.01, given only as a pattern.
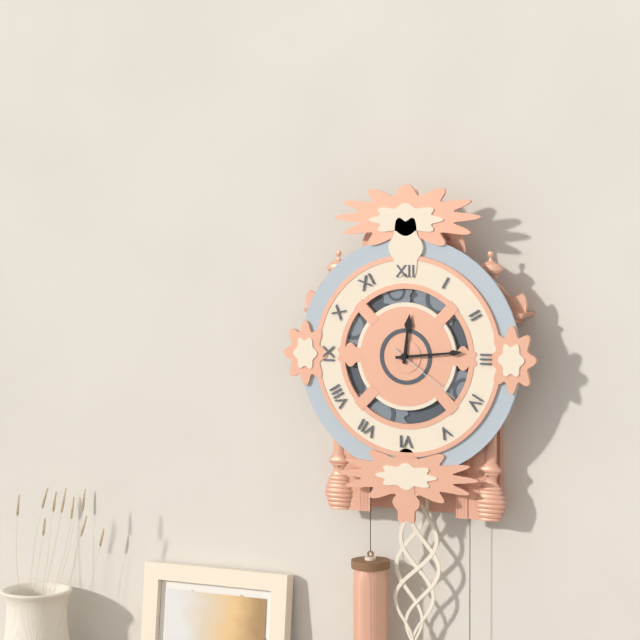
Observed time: 12.14.21
